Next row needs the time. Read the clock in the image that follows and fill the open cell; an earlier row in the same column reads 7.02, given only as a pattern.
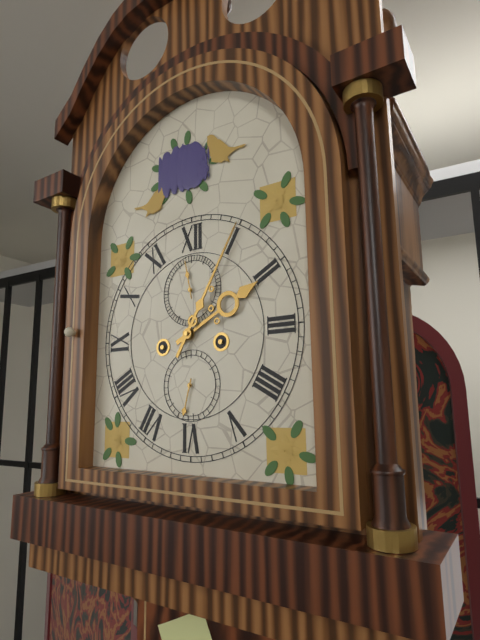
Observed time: 2.05
